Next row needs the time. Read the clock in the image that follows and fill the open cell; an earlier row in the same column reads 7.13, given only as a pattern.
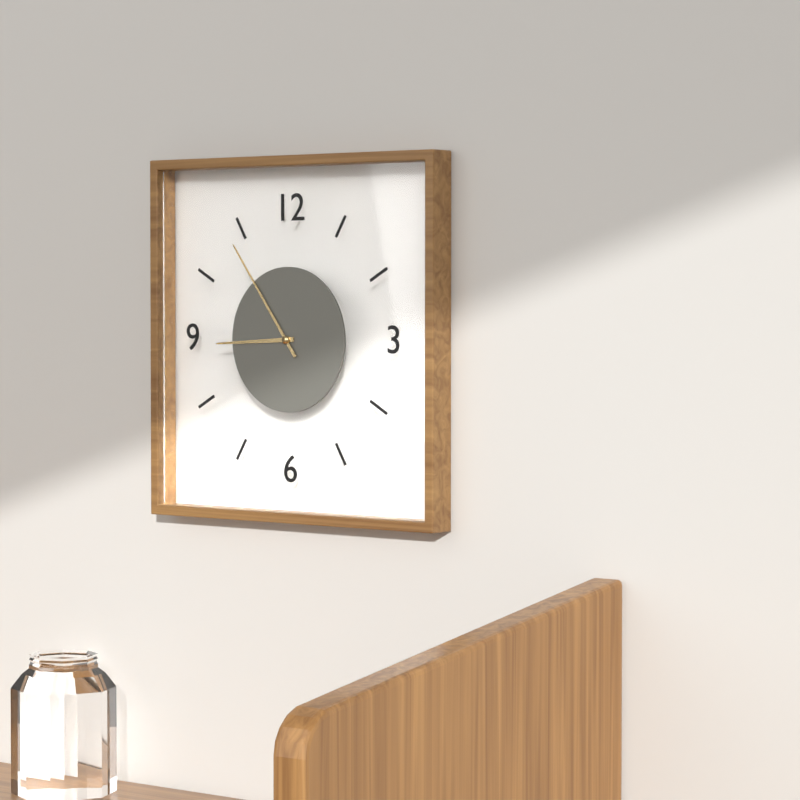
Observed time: 8.54
